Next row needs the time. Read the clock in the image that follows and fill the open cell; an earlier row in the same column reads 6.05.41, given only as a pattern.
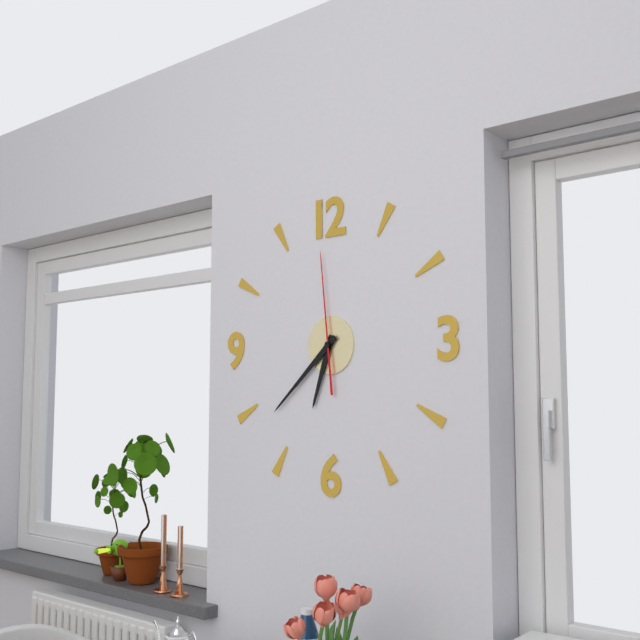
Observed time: 6.38.59
